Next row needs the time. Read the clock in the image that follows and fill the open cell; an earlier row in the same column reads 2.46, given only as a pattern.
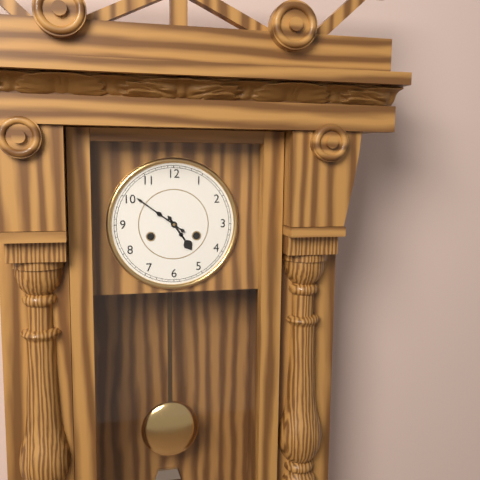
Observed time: 4.51
